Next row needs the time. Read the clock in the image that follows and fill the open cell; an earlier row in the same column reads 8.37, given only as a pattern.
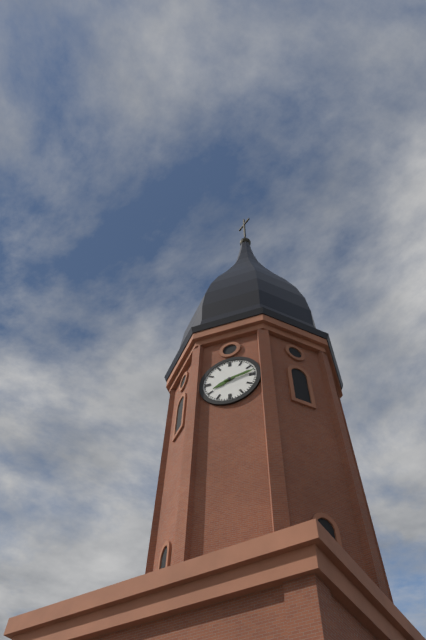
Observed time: 8.13
